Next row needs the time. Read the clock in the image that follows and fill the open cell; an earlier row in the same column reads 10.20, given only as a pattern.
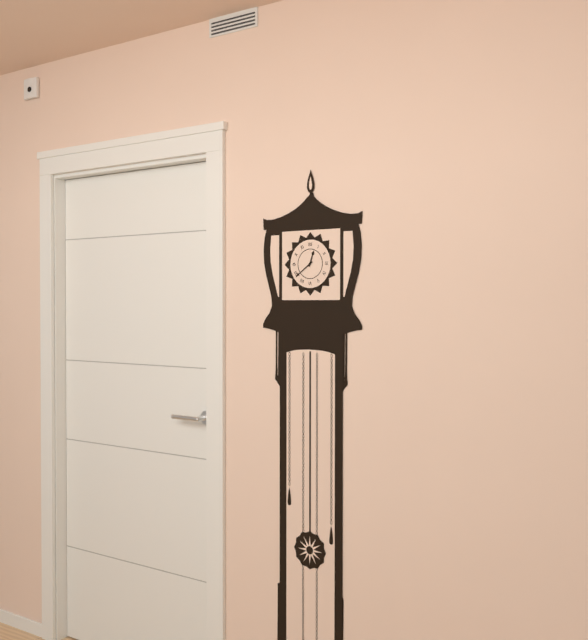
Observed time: 12.39
